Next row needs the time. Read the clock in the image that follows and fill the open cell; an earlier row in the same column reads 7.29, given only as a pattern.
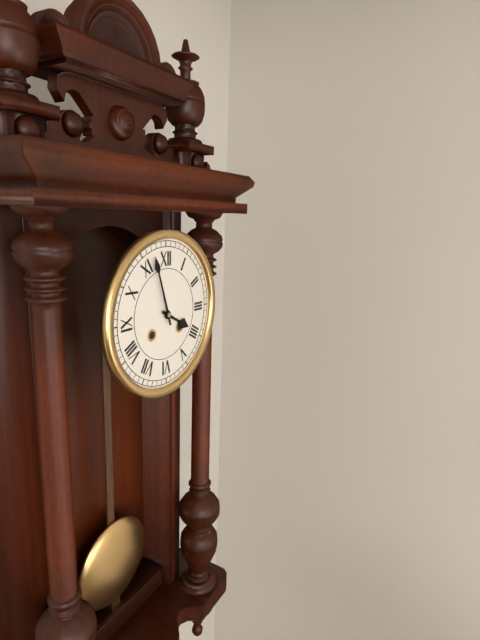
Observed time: 3.57
